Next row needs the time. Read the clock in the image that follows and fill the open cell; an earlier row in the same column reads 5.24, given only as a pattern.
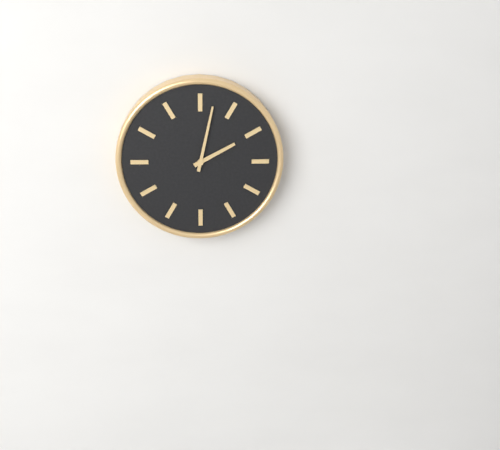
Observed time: 2.02
